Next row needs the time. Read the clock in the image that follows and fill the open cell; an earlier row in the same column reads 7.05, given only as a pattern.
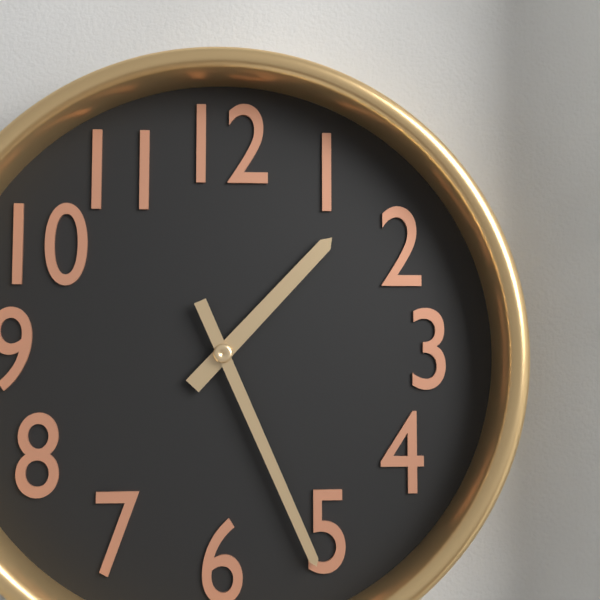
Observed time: 1.26
